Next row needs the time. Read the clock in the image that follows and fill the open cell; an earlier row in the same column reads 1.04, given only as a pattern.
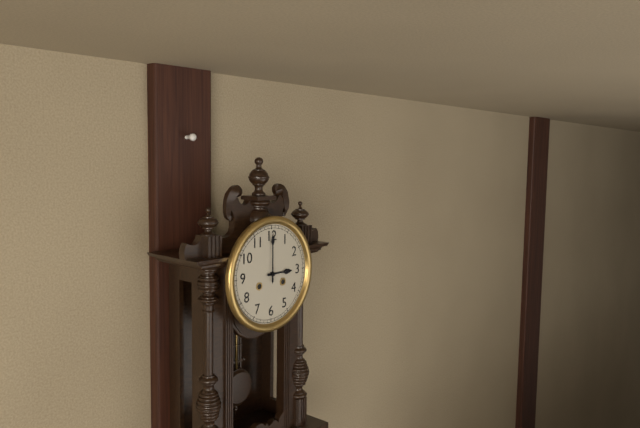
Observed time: 3.00
